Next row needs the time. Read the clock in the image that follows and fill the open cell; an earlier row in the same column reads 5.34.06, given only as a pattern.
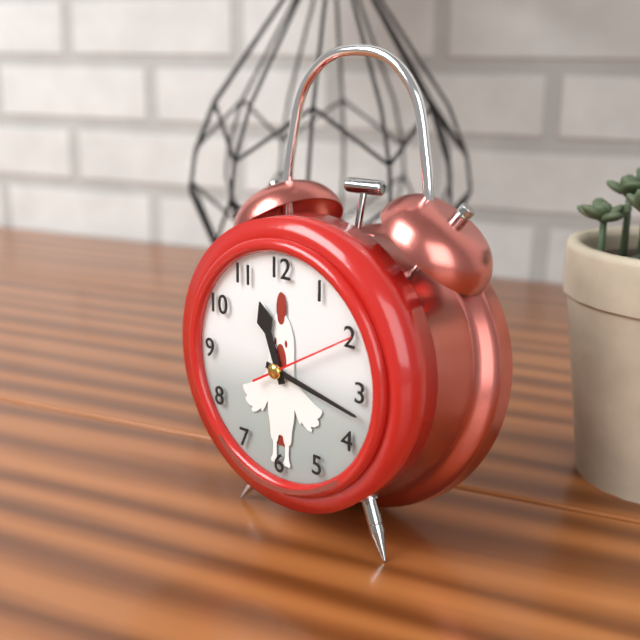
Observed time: 11.17.10
